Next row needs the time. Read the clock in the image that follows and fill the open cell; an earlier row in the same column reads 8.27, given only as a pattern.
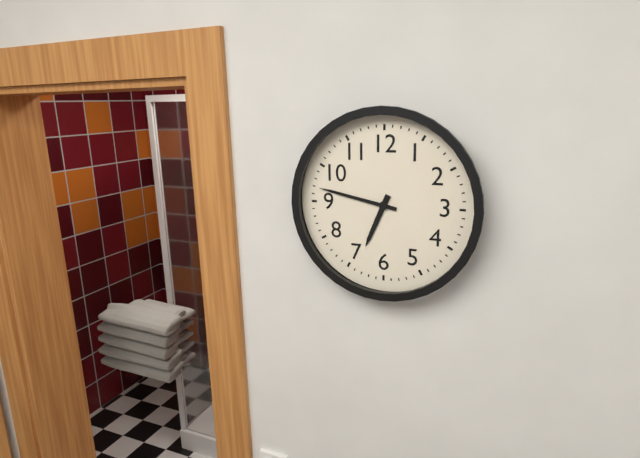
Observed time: 6.47
